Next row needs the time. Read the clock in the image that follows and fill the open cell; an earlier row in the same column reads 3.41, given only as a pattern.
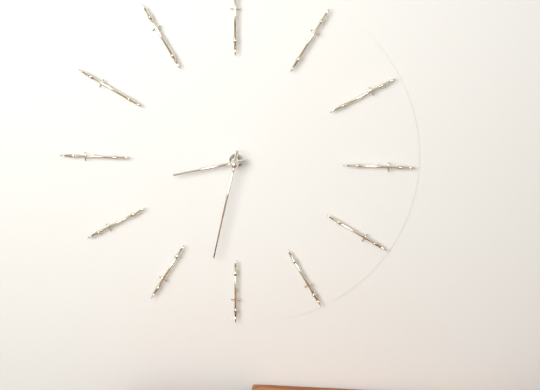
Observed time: 8.32
